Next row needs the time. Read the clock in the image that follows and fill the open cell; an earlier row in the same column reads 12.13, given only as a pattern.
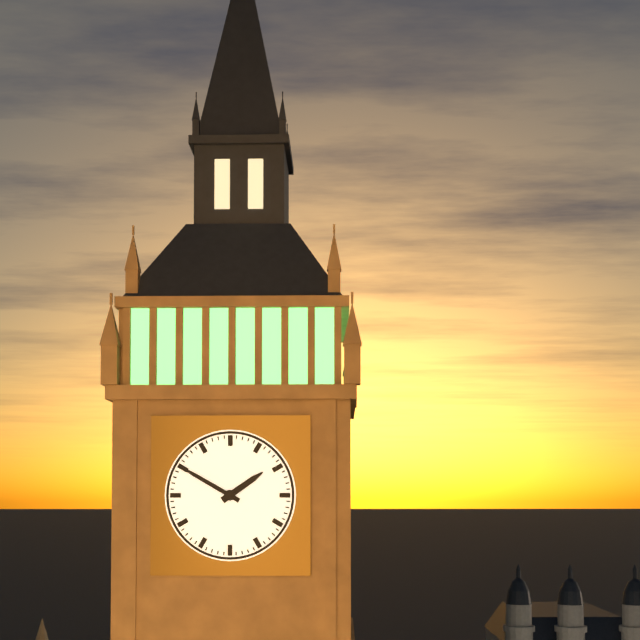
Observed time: 1.50
